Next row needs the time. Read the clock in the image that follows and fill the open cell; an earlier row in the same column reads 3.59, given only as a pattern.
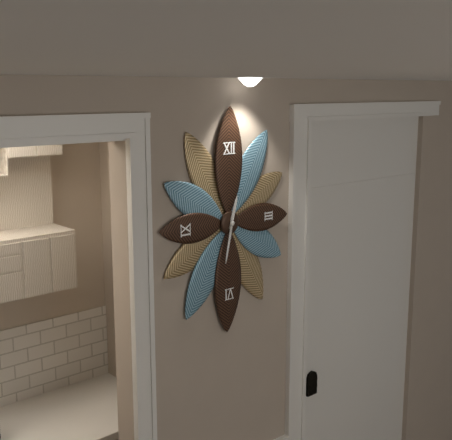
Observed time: 12.32
